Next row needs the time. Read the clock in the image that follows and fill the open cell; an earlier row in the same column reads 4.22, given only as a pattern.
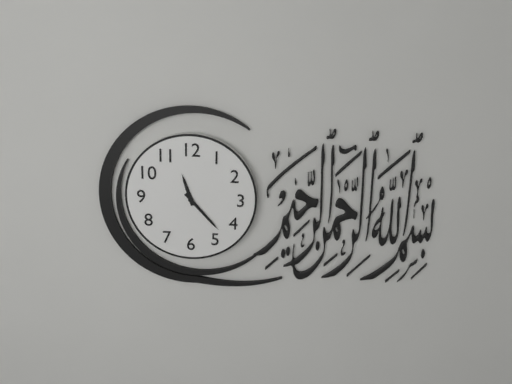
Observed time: 11.23
